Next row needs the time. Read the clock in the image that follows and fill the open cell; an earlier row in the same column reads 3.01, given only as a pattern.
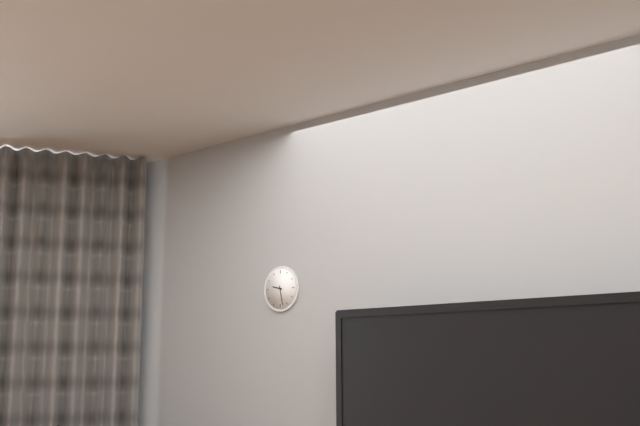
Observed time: 9.28
